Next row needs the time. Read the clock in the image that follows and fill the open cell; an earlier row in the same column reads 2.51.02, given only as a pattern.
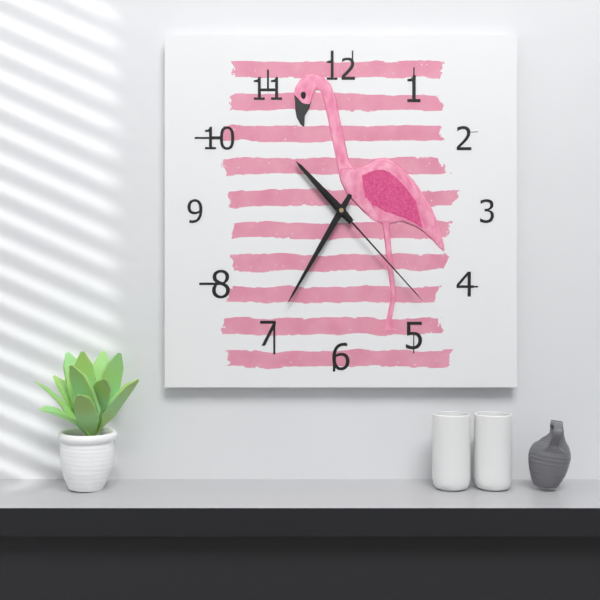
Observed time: 10.35.23
